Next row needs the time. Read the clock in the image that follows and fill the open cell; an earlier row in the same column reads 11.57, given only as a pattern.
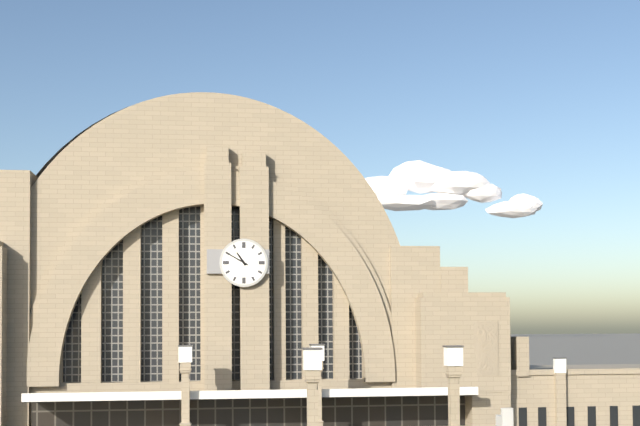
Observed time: 10.50
